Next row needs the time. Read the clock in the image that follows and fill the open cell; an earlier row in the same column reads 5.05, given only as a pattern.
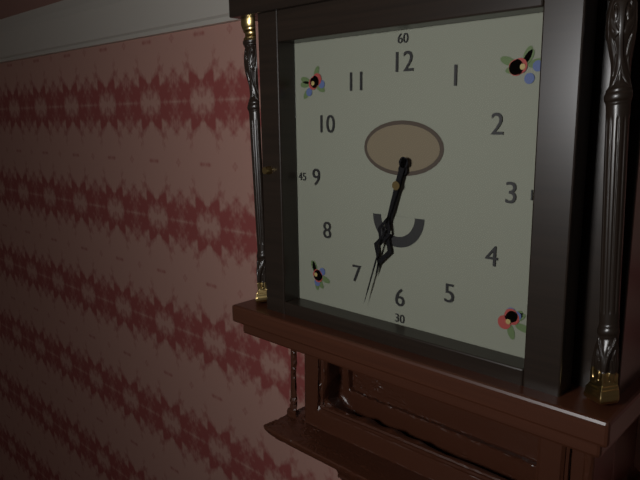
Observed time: 6.33
